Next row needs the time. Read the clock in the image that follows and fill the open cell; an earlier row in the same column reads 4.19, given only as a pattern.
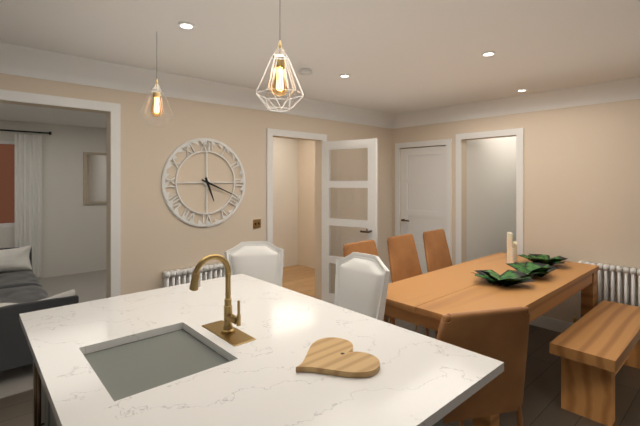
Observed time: 5.19
